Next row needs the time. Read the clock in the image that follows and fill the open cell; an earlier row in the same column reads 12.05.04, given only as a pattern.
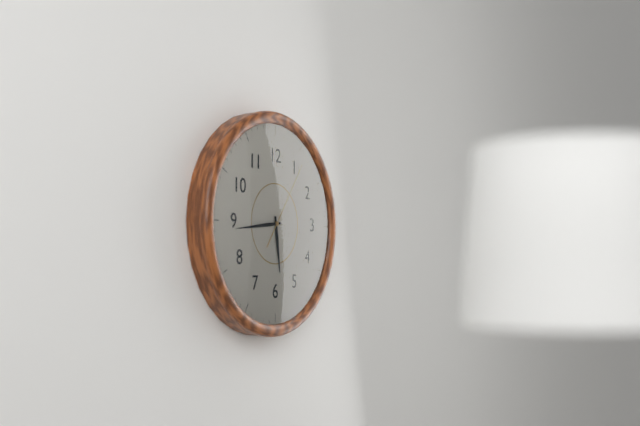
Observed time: 5.44.06
